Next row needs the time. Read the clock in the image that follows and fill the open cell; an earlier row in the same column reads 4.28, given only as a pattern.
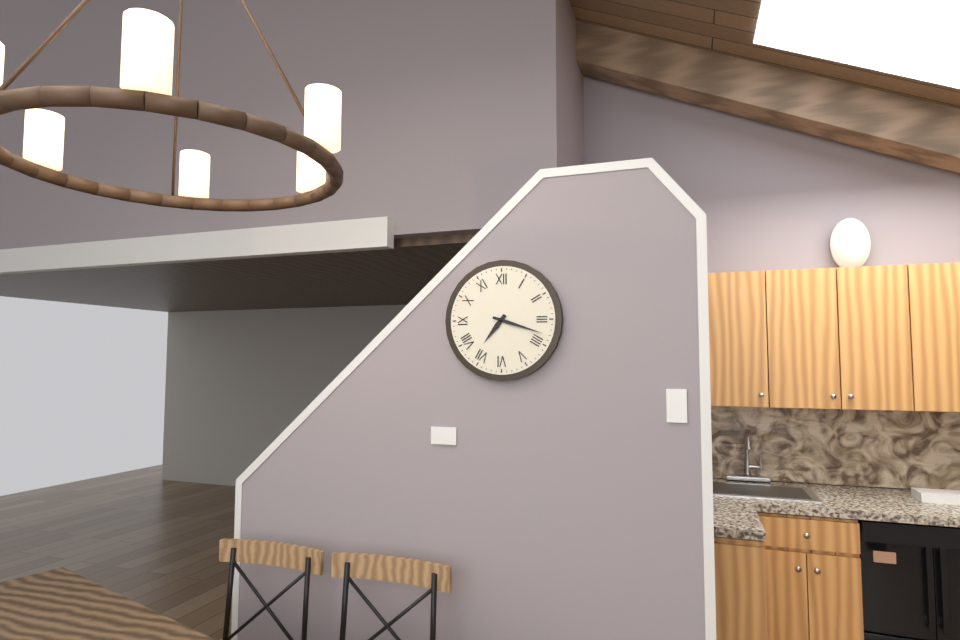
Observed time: 7.18
